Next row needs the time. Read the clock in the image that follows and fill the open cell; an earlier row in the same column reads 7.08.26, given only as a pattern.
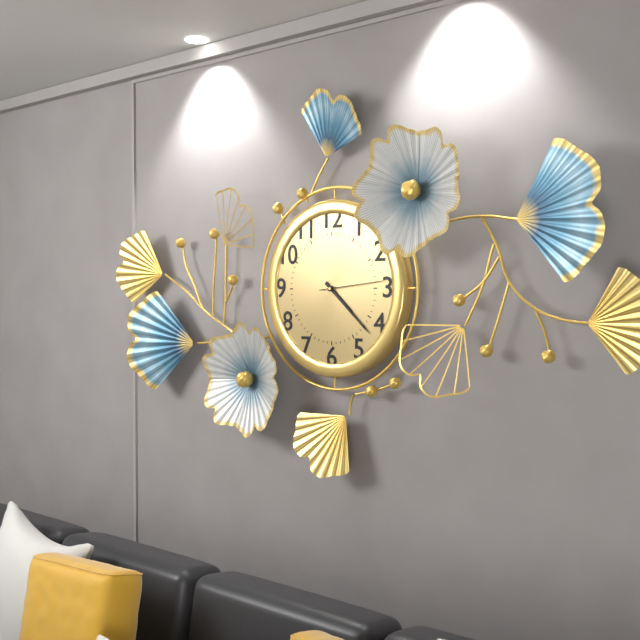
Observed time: 4.22.14
